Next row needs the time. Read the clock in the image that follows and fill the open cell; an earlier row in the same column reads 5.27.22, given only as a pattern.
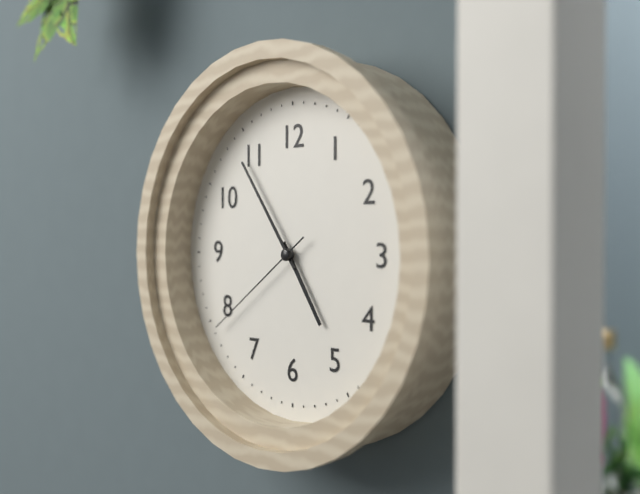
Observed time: 4.54.39
